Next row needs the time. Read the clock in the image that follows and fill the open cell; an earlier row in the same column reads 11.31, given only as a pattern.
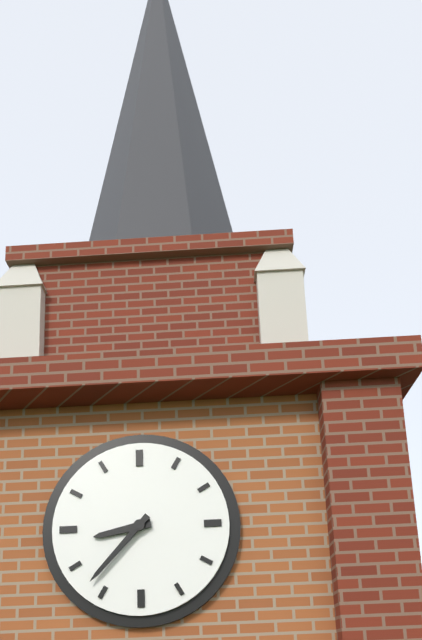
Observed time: 8.37
